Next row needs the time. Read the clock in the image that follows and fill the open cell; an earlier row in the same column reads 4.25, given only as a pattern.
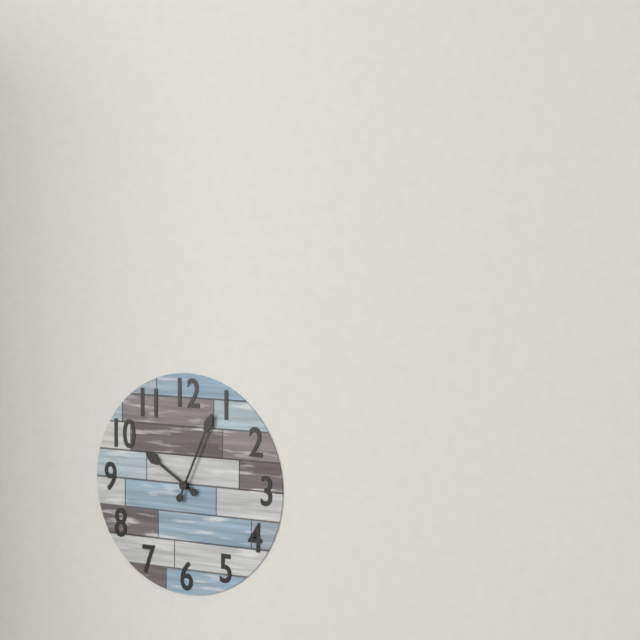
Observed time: 10.04
